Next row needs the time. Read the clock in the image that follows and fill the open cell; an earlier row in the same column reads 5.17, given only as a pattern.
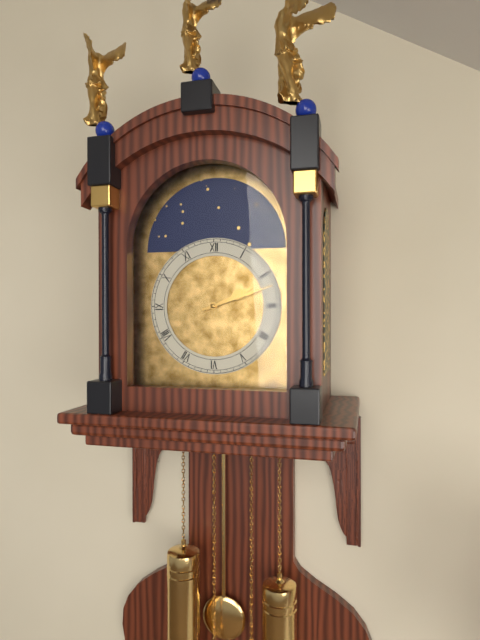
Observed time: 2.12
